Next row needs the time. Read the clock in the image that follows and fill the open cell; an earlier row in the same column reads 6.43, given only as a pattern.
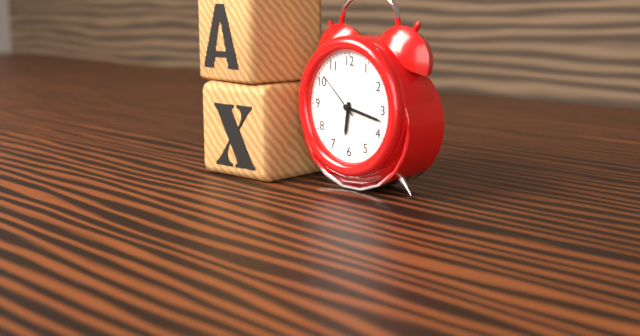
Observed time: 6.17
